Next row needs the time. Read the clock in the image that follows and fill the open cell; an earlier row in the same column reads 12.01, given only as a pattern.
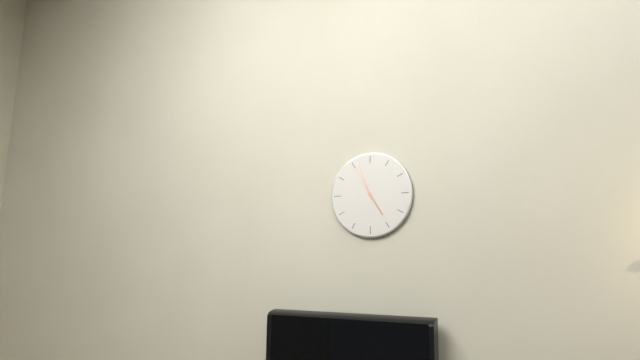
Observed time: 4.56
